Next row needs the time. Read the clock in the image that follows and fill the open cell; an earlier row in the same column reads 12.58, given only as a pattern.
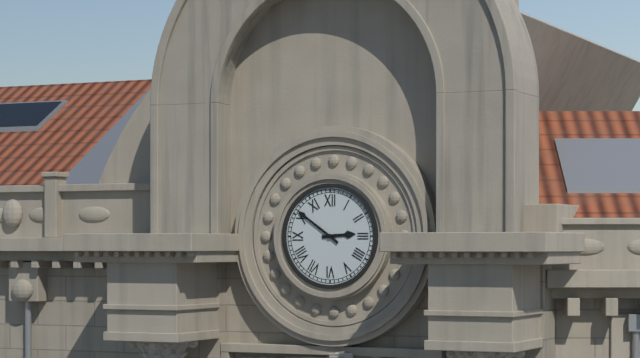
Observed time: 2.51
